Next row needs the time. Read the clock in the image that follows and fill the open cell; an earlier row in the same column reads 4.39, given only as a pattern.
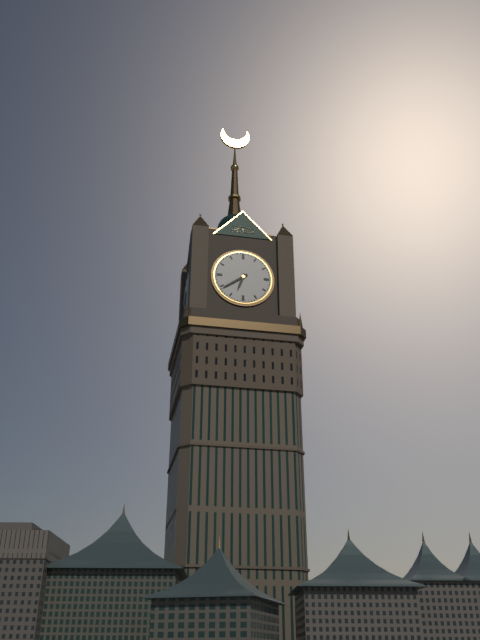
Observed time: 6.39
